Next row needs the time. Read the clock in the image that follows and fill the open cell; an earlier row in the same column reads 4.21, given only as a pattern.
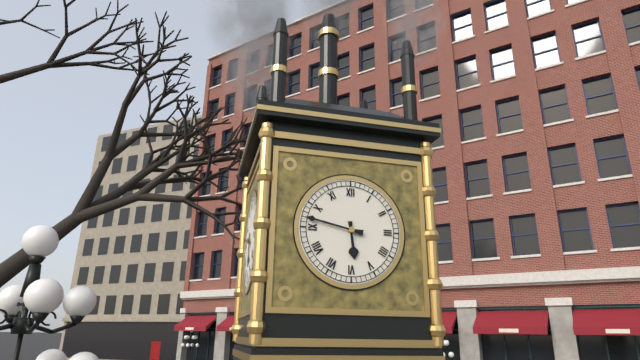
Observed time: 5.47
